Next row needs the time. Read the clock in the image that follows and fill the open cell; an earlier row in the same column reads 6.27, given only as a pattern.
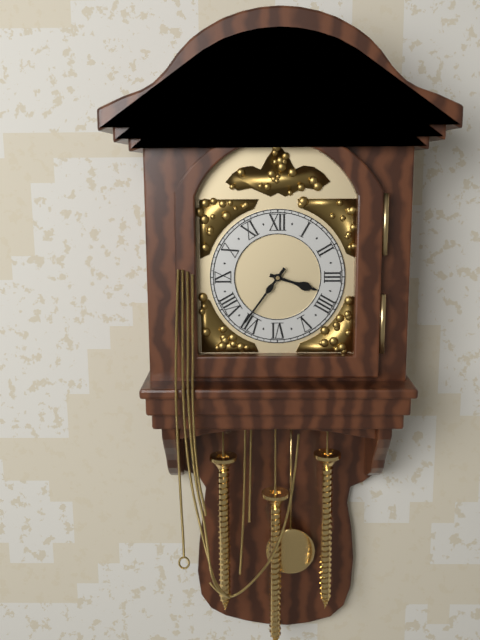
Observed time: 3.36
